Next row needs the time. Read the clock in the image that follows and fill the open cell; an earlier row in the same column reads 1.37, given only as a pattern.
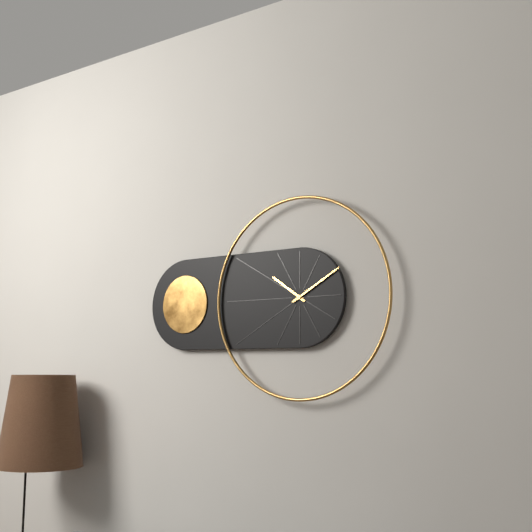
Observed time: 10.10
